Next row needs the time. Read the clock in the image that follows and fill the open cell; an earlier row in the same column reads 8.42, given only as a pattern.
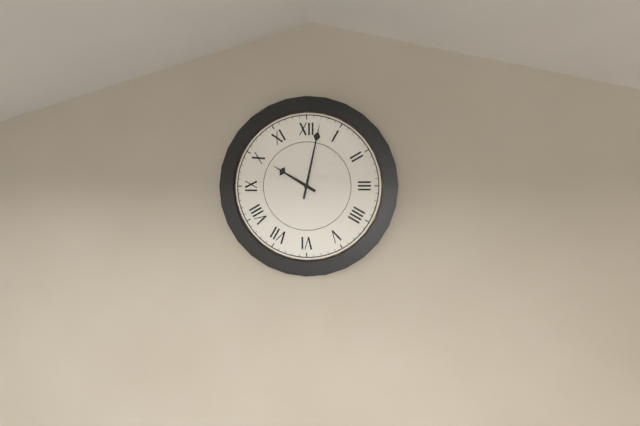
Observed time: 10.02
